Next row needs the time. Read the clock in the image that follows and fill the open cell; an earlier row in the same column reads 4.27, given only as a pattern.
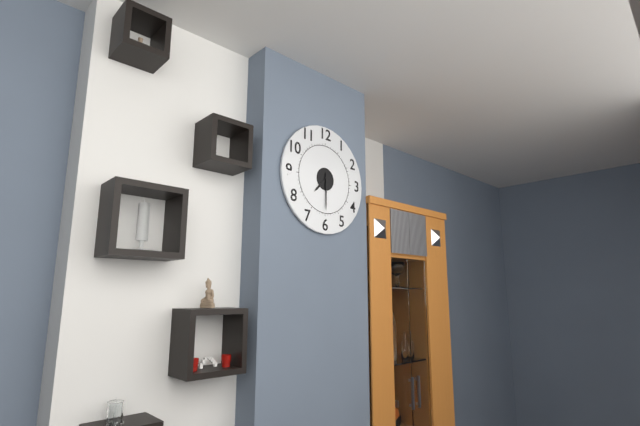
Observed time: 7.30
